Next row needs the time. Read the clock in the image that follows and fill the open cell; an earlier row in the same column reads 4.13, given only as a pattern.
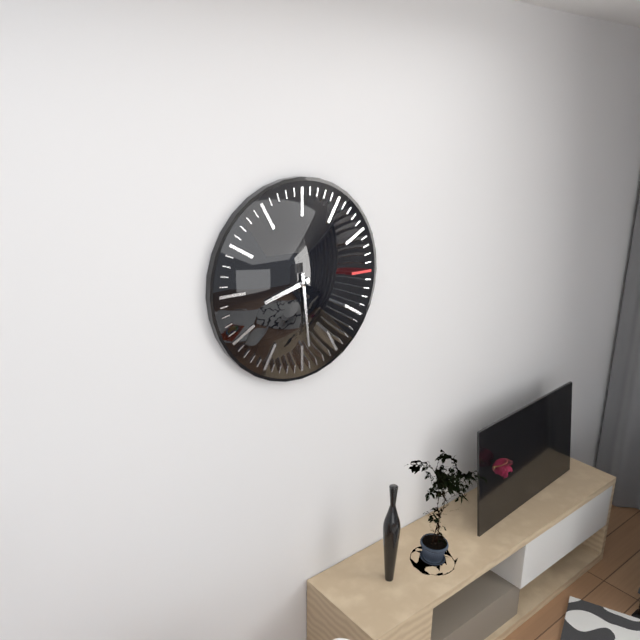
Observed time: 8.29
